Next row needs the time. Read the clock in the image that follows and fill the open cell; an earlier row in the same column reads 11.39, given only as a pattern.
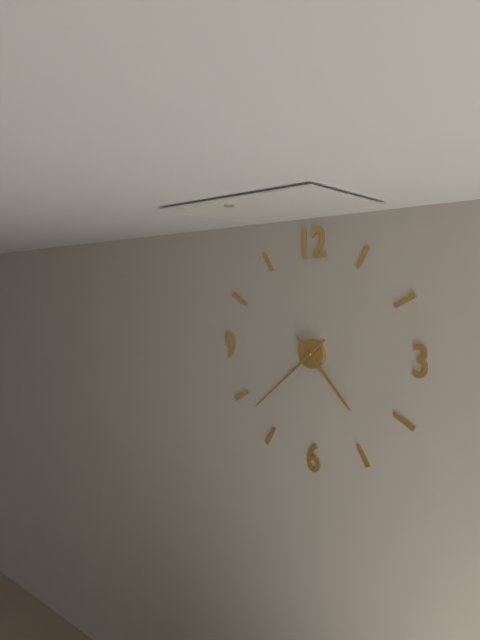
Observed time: 4.38
